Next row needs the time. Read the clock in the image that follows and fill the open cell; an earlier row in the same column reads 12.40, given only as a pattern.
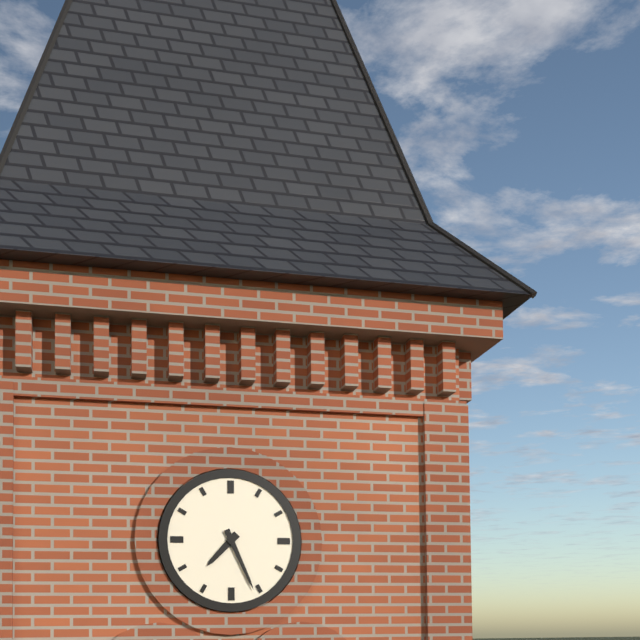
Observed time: 7.26
